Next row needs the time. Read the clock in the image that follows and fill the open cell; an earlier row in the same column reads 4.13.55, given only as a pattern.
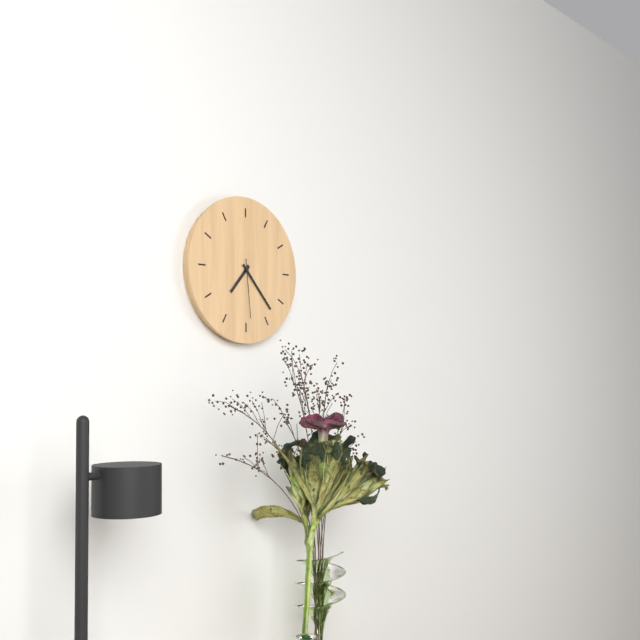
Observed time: 7.23.29
